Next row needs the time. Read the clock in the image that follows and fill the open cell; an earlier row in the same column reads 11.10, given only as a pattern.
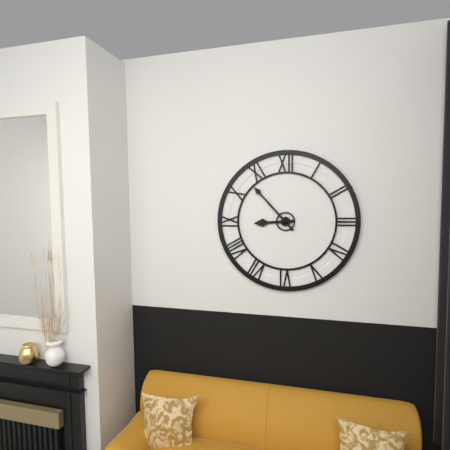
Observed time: 8.53
